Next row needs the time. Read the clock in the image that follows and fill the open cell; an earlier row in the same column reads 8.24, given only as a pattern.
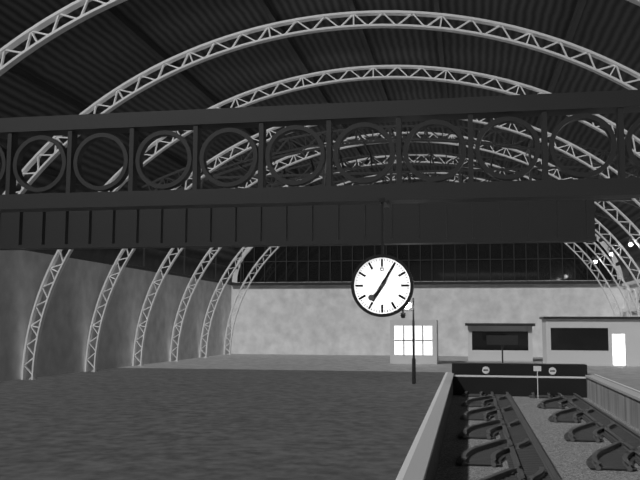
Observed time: 7.05
